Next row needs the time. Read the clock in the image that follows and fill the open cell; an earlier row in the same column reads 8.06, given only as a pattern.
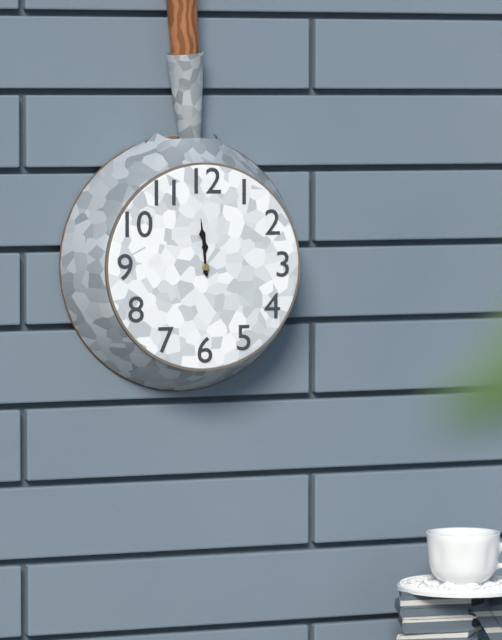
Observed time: 11.59
